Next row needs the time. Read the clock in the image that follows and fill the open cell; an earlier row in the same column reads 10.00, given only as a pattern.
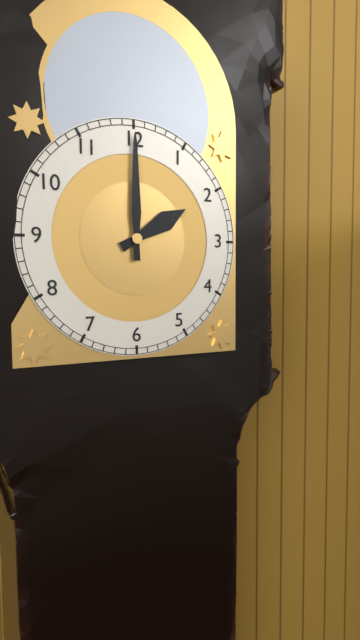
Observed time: 2.00
